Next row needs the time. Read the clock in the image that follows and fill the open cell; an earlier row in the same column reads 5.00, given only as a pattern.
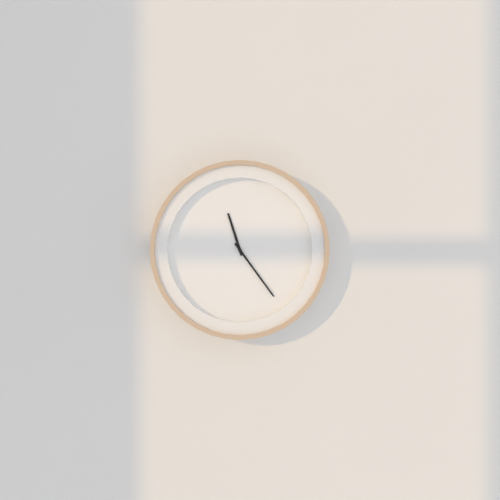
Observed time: 11.24
